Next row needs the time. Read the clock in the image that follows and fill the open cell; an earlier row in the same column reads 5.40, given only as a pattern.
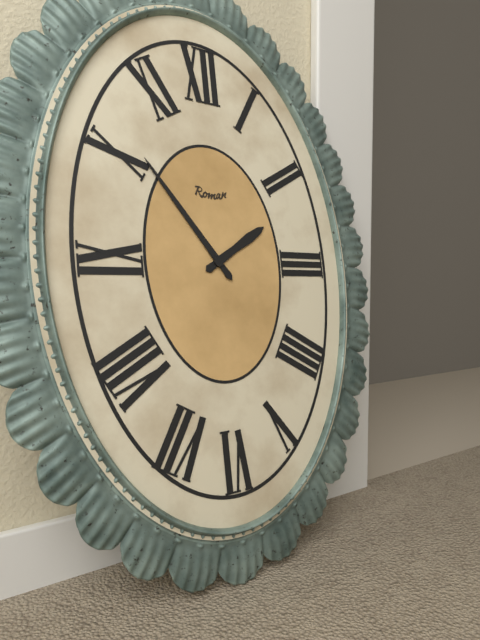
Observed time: 1.54
